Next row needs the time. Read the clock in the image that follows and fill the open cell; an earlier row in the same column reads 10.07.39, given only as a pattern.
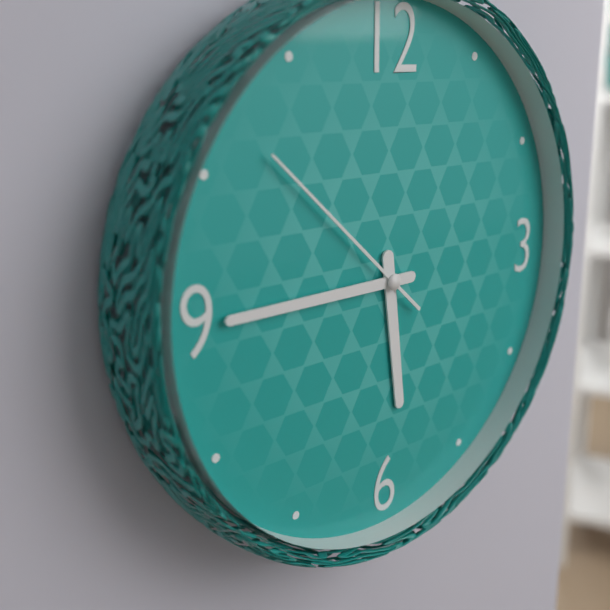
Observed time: 5.45.52
